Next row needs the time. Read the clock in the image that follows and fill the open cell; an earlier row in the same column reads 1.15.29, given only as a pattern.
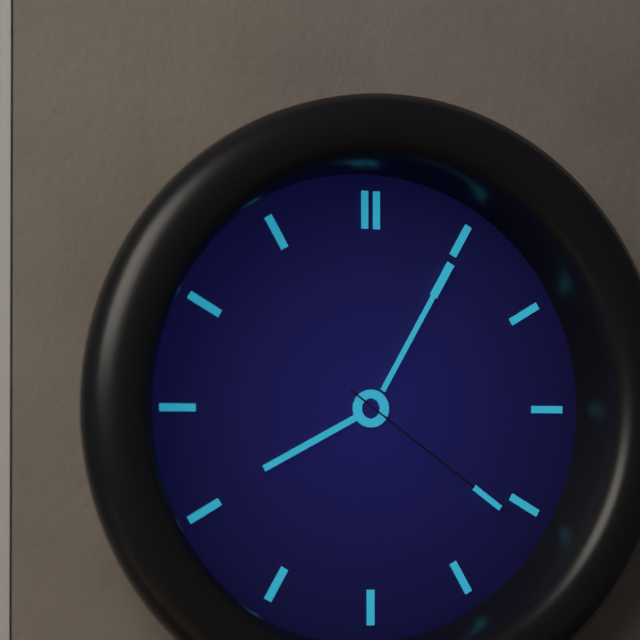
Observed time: 8.05.21
